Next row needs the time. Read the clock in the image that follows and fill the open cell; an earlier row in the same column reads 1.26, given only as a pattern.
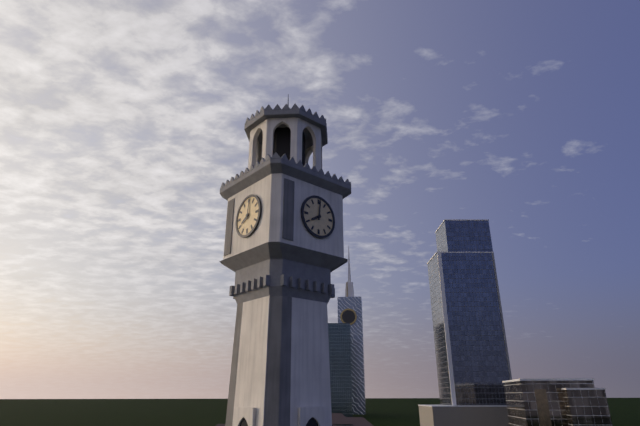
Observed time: 8.01
